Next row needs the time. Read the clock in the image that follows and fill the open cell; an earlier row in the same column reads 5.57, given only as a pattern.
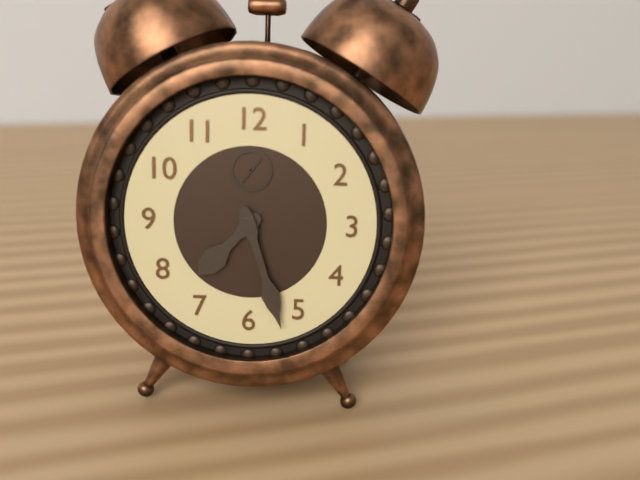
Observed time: 7.27
